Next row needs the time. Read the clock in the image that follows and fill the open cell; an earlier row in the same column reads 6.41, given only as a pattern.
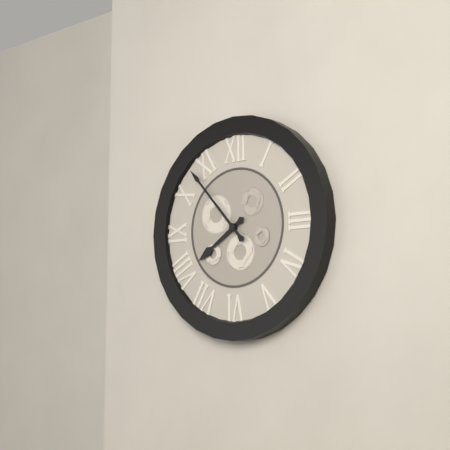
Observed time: 7.53
